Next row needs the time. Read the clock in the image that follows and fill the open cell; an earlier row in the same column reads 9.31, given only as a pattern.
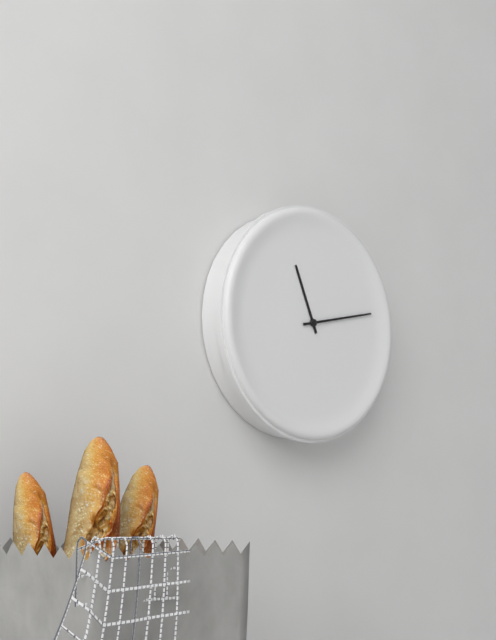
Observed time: 11.13
